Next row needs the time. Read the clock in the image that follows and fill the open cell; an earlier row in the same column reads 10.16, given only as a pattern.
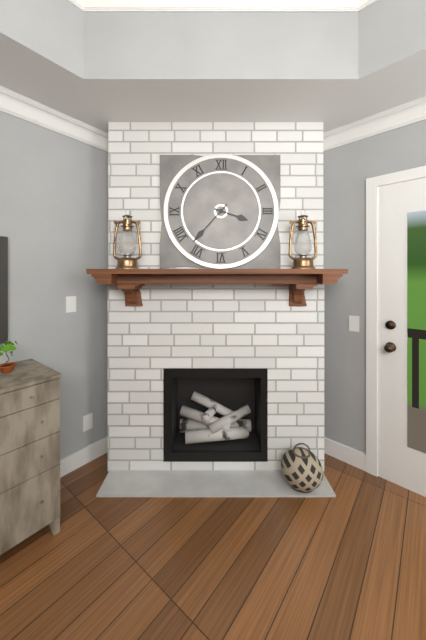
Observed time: 3.37
